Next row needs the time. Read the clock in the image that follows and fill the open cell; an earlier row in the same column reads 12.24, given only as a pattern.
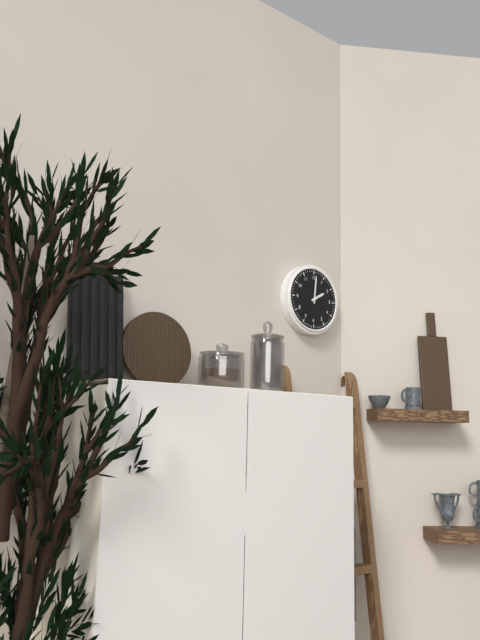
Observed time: 2.01
